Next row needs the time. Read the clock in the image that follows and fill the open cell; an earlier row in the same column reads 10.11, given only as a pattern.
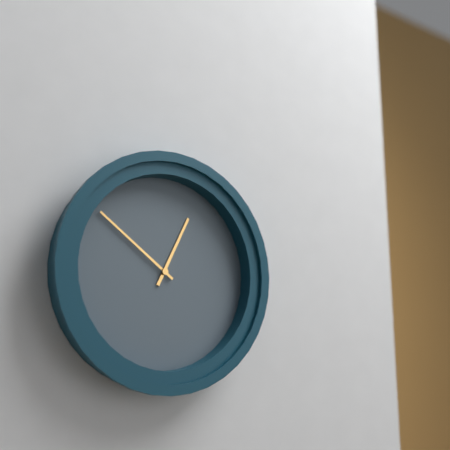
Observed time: 12.51
